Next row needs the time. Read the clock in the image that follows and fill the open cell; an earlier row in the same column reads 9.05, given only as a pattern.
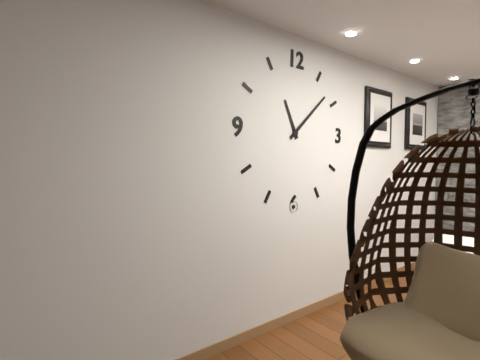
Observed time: 11.08
